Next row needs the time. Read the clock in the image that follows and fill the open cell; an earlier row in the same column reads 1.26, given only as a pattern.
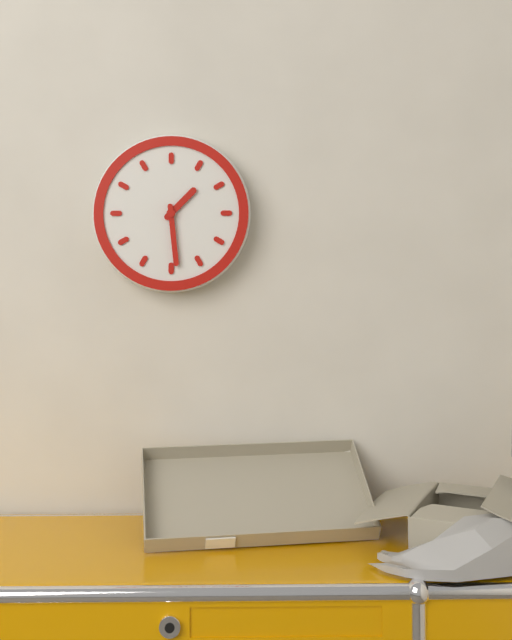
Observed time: 1.29
